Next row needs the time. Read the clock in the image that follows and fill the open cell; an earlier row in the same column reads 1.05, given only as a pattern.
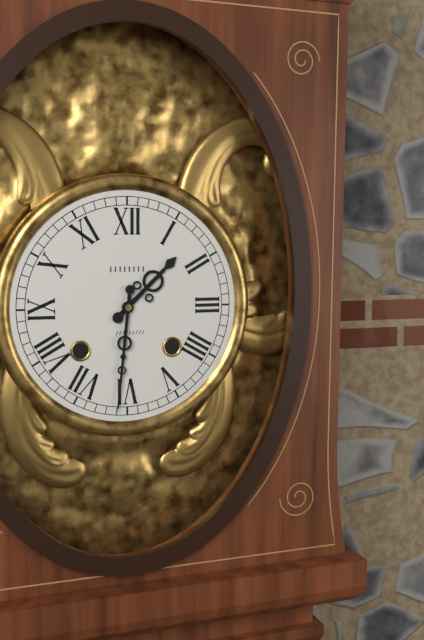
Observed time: 1.31
